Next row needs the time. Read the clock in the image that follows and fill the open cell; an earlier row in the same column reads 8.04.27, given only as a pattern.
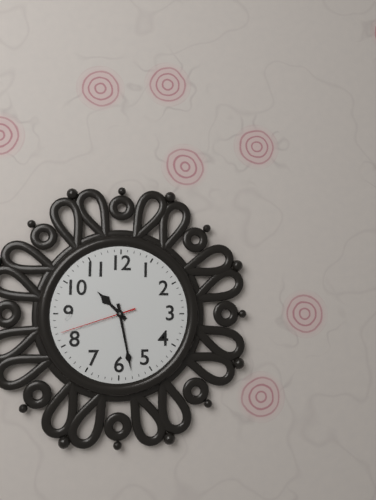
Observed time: 10.28.42
